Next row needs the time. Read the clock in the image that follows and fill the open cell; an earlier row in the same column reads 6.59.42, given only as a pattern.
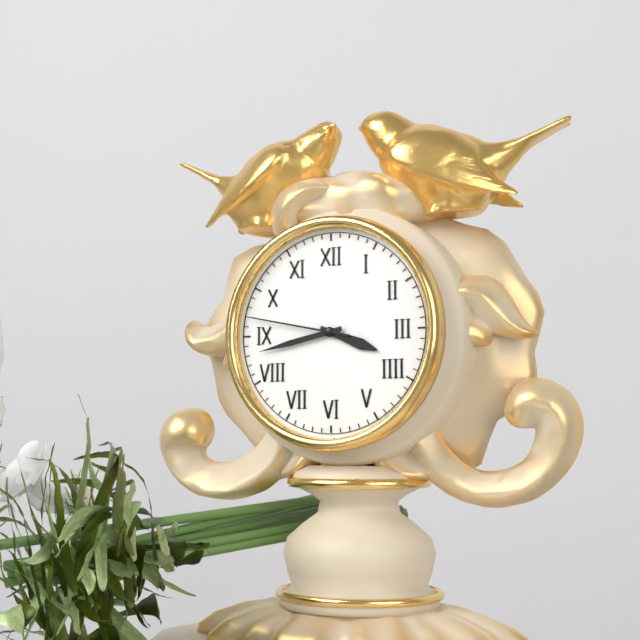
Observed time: 3.43.47
